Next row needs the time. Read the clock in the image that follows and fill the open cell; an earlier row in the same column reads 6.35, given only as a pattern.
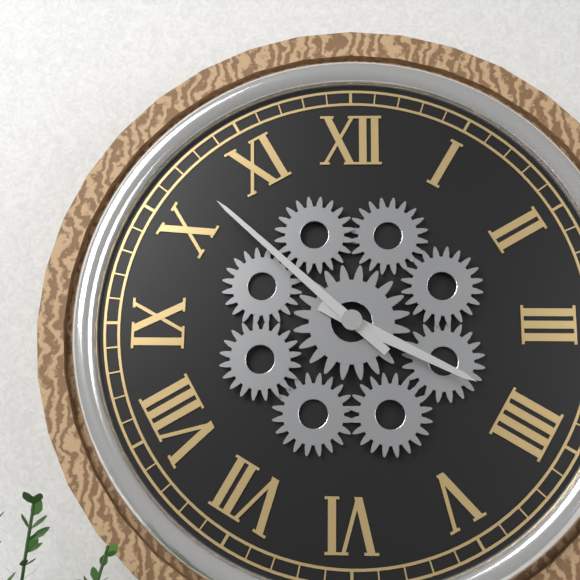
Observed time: 3.52
